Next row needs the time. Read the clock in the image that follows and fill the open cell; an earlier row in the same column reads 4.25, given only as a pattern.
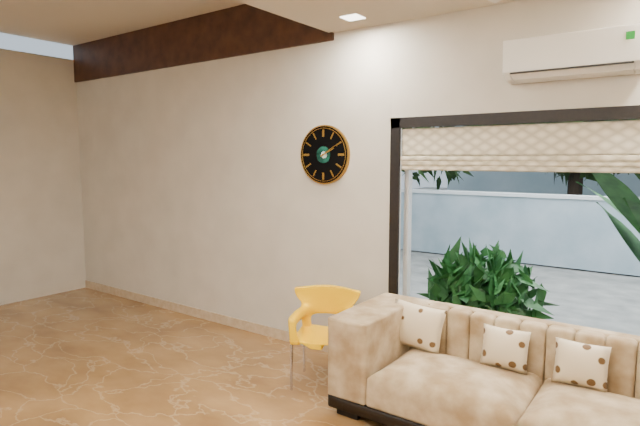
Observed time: 2.10
